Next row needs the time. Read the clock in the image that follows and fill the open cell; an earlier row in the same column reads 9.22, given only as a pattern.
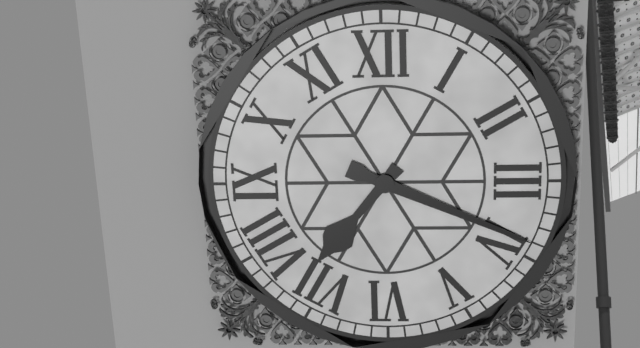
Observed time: 7.19
